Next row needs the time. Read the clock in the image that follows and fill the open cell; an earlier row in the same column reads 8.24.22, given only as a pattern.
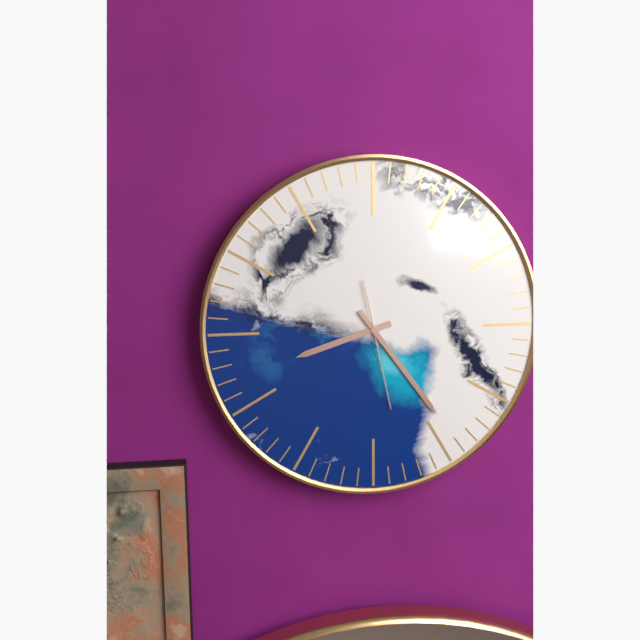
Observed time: 8.24.28
